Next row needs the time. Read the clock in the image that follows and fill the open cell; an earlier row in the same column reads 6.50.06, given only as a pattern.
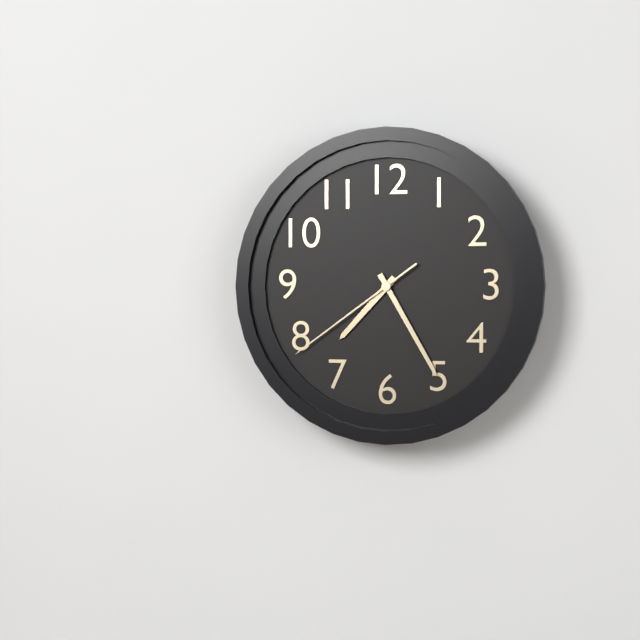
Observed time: 7.25.39
